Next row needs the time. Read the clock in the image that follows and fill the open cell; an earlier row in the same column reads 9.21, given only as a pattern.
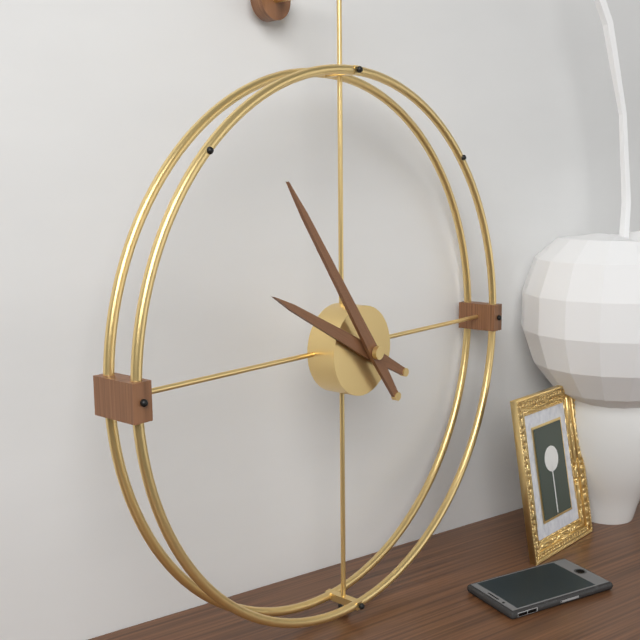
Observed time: 9.54
